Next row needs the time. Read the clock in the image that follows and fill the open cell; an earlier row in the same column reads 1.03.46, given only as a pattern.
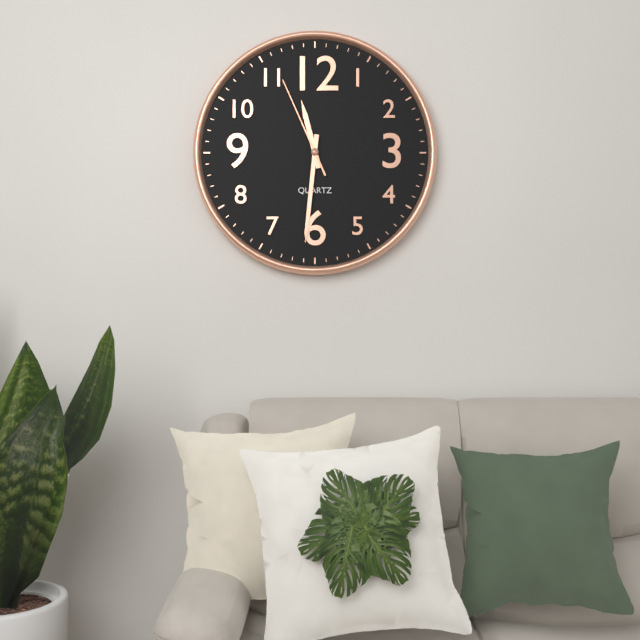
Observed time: 11.31.56
